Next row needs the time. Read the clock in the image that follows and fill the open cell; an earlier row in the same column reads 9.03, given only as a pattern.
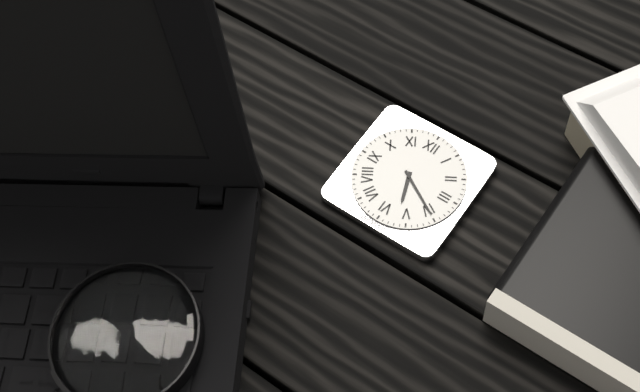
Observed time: 5.20
